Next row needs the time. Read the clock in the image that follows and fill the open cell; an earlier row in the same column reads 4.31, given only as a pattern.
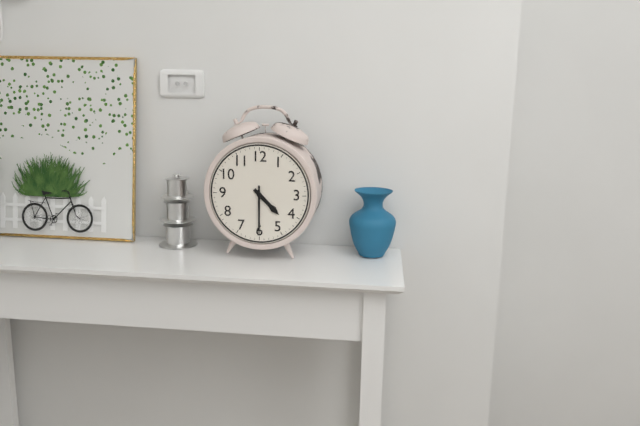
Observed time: 4.30
